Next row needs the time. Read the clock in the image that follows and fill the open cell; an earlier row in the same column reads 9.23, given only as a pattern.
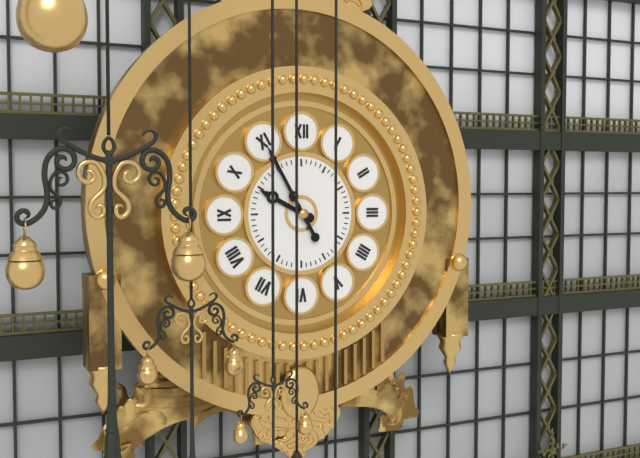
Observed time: 9.55
